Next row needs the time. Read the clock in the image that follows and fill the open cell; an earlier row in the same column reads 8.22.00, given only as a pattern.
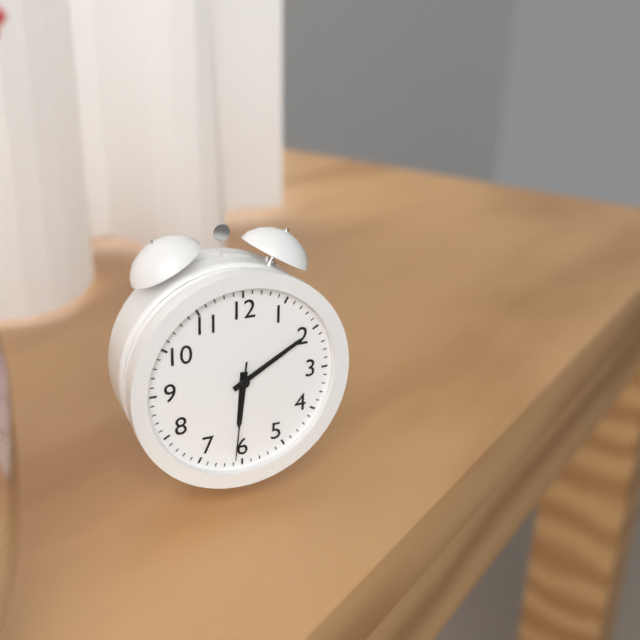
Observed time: 6.10.31
